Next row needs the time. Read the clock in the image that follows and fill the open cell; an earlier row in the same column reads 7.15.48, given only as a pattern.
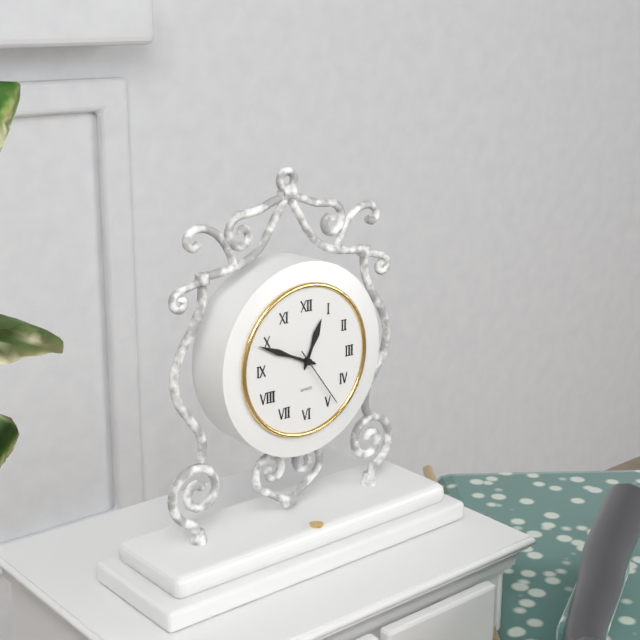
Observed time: 12.49.24
